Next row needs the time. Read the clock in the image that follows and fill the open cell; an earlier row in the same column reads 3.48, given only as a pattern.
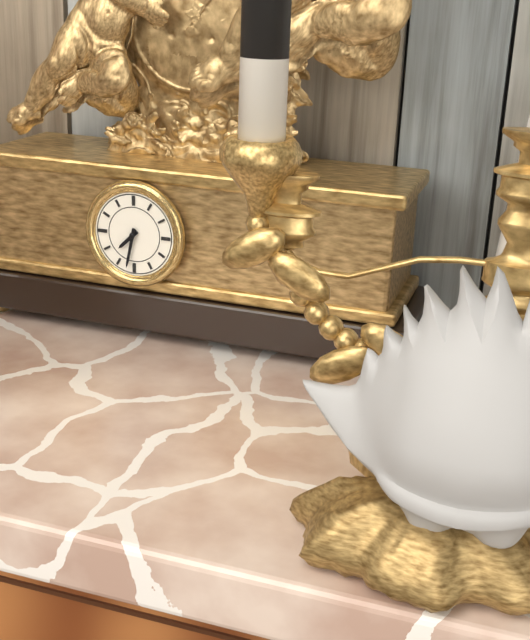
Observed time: 7.32
